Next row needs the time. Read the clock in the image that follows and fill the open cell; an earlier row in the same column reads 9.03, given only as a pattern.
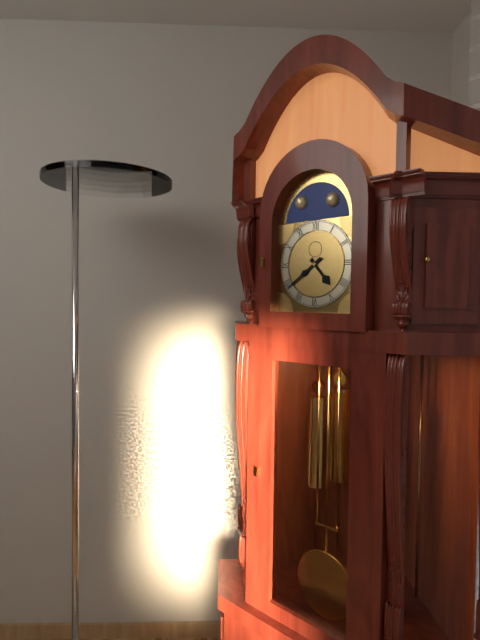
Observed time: 4.39
